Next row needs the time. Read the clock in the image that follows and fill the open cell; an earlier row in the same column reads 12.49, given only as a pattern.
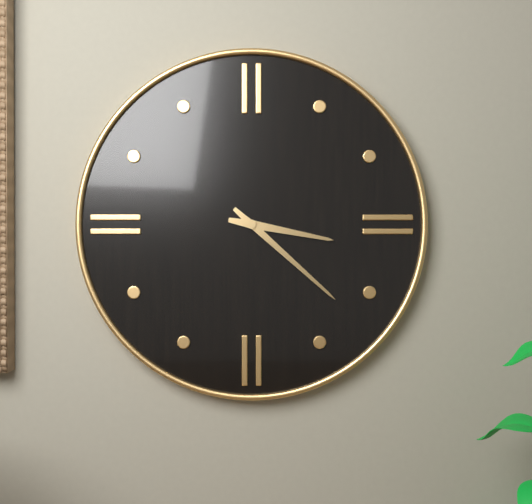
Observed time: 3.22
